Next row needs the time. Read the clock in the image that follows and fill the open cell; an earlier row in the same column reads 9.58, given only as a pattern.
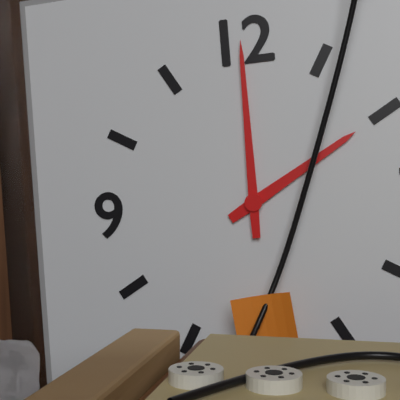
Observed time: 2.00
